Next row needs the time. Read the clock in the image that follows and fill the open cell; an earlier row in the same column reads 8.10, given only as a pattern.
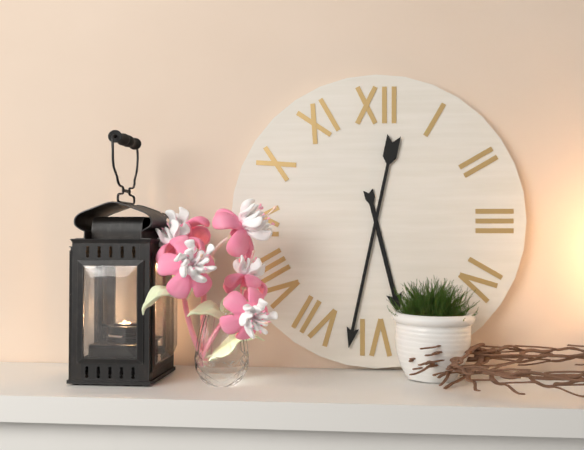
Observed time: 5.32
